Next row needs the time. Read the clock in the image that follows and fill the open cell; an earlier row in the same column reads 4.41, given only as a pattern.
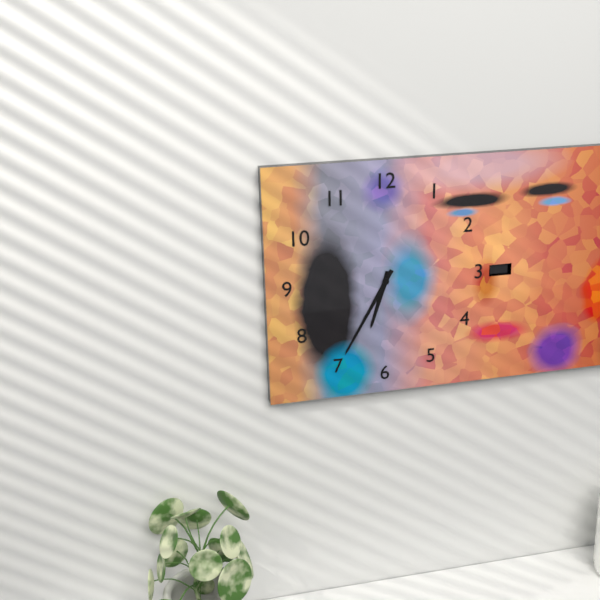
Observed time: 6.35
